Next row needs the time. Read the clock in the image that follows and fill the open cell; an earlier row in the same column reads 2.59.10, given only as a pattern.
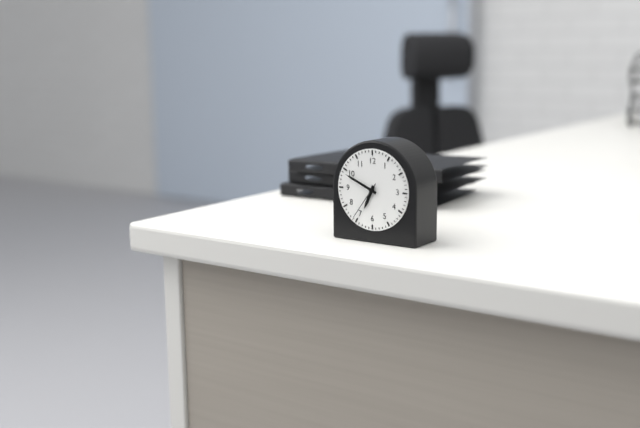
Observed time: 6.49.36
